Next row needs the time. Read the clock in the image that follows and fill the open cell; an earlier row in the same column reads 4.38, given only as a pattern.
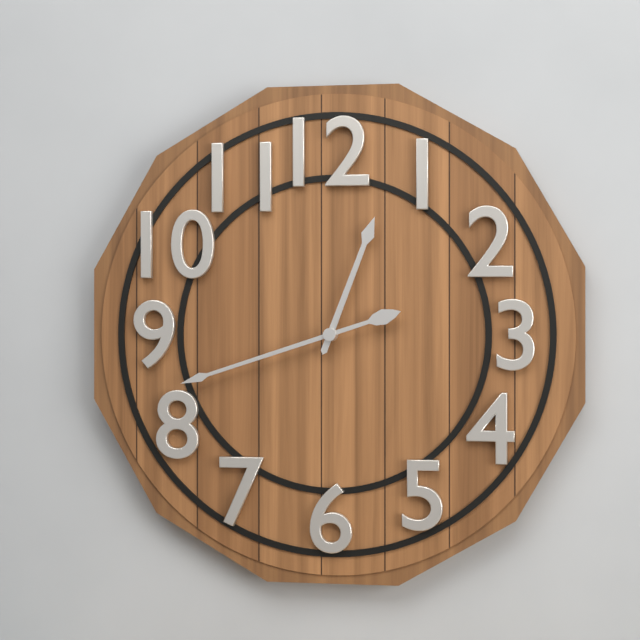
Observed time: 12.42
